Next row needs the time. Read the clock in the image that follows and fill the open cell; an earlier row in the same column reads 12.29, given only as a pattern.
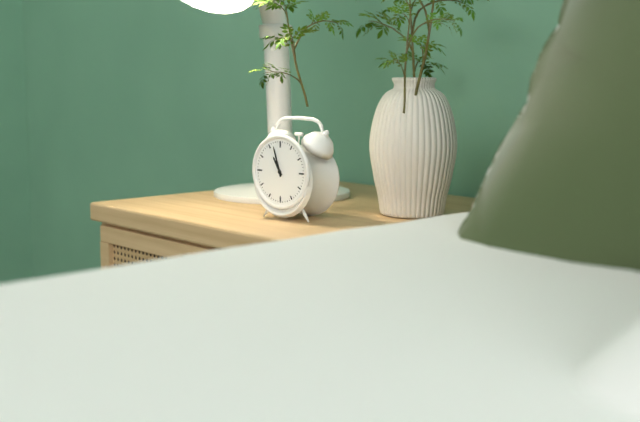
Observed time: 10.57
